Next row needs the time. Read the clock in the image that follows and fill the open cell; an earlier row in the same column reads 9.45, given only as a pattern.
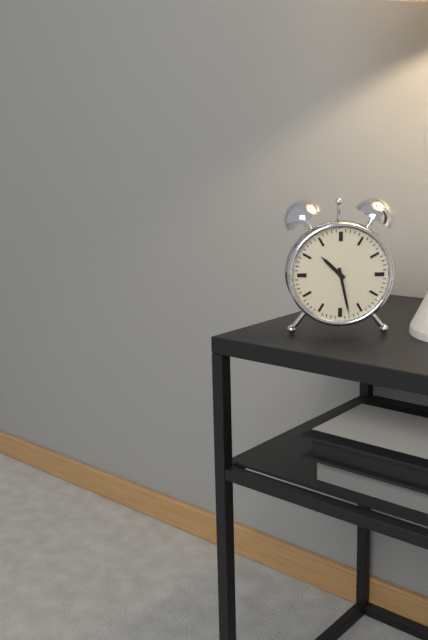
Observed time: 10.28
